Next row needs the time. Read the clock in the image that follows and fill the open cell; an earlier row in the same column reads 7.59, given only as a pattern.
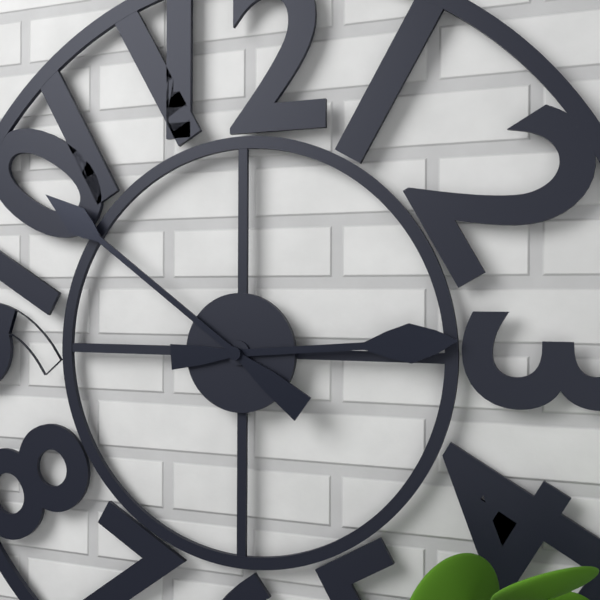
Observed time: 2.51
